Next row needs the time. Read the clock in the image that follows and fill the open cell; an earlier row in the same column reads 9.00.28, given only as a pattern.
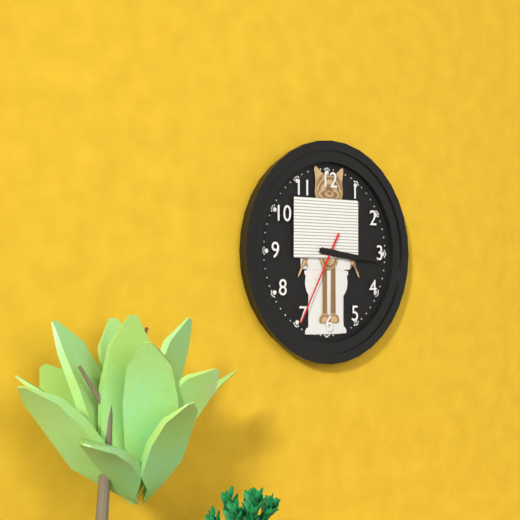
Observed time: 3.16.35
